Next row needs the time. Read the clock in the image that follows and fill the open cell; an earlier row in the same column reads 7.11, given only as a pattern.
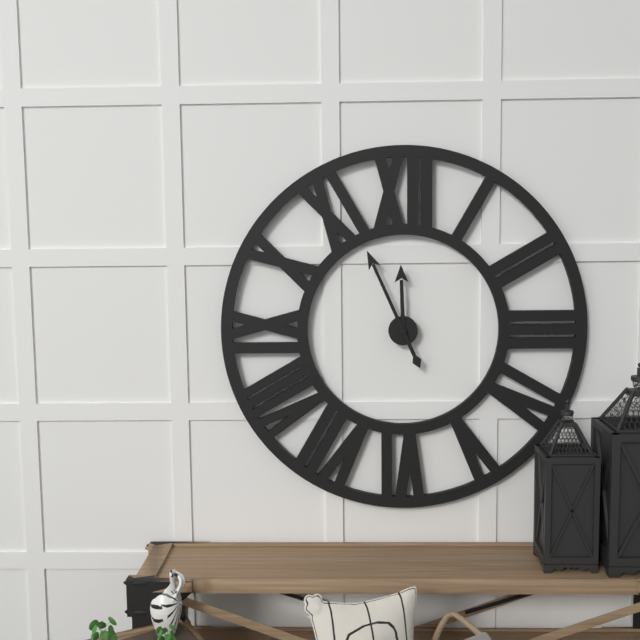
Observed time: 11.56
